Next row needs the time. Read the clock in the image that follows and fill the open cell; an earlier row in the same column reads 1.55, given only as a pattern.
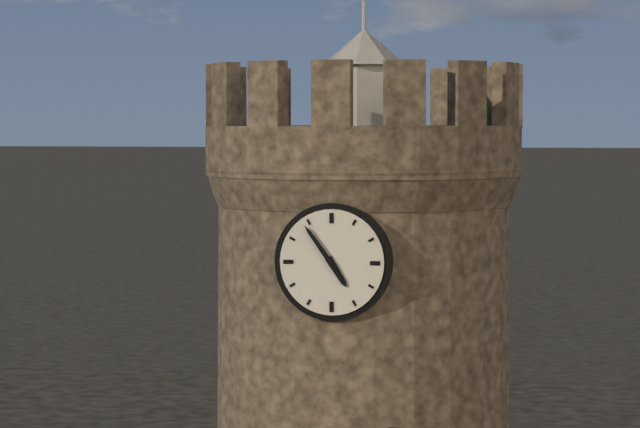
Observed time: 4.54
